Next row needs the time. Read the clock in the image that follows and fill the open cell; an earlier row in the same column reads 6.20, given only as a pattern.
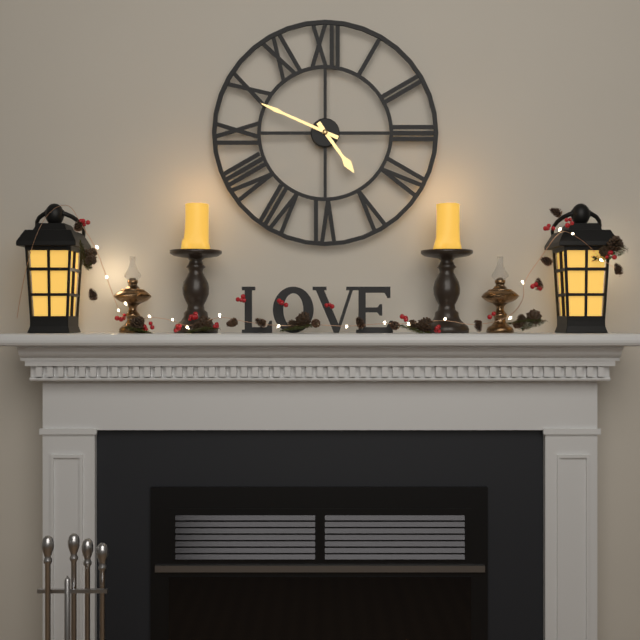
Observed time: 4.49
